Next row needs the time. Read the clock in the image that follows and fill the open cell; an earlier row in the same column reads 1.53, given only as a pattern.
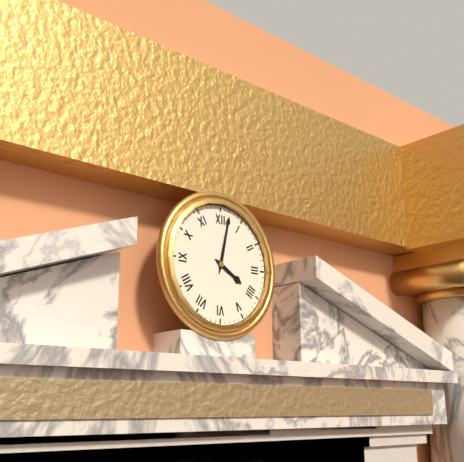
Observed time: 4.02
